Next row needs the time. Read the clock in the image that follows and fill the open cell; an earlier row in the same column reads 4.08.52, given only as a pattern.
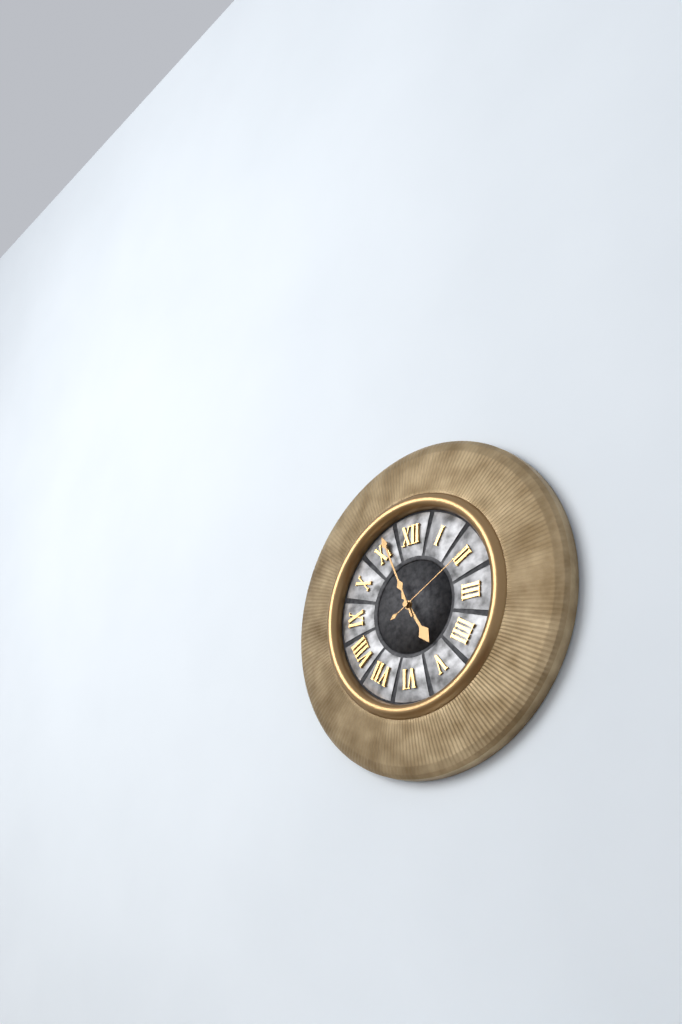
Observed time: 4.56.10
